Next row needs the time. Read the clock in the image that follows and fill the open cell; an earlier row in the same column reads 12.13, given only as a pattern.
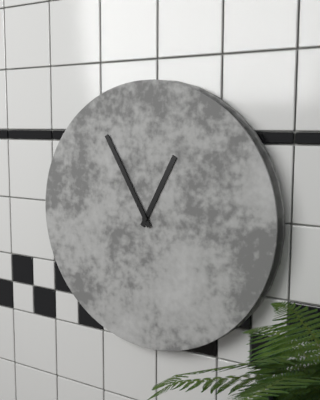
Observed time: 12.55
